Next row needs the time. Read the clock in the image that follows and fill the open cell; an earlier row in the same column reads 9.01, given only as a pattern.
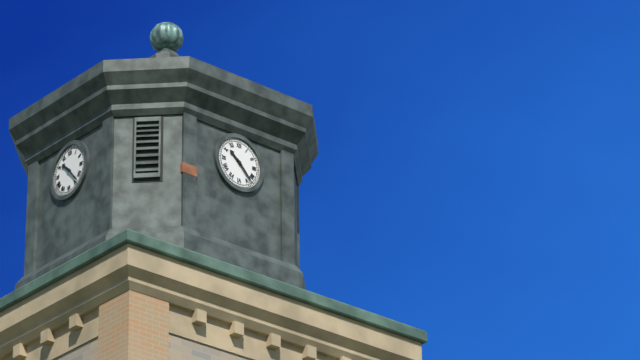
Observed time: 10.23
